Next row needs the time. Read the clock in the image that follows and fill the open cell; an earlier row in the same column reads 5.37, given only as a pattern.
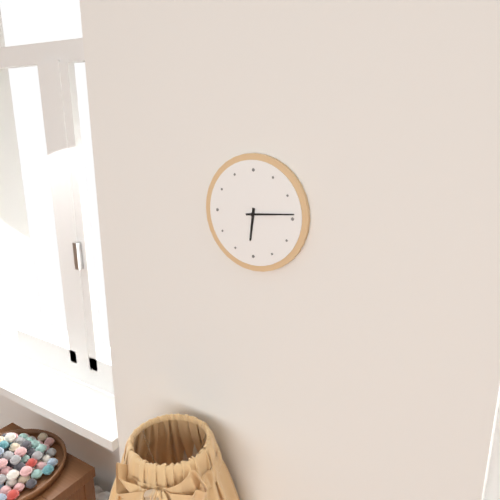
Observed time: 6.14
